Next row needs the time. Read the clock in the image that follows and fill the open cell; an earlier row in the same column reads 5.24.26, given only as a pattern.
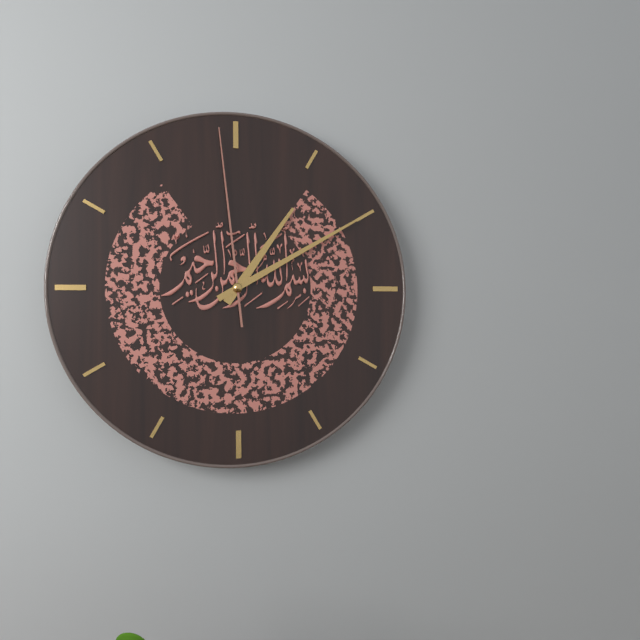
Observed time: 1.10.59
